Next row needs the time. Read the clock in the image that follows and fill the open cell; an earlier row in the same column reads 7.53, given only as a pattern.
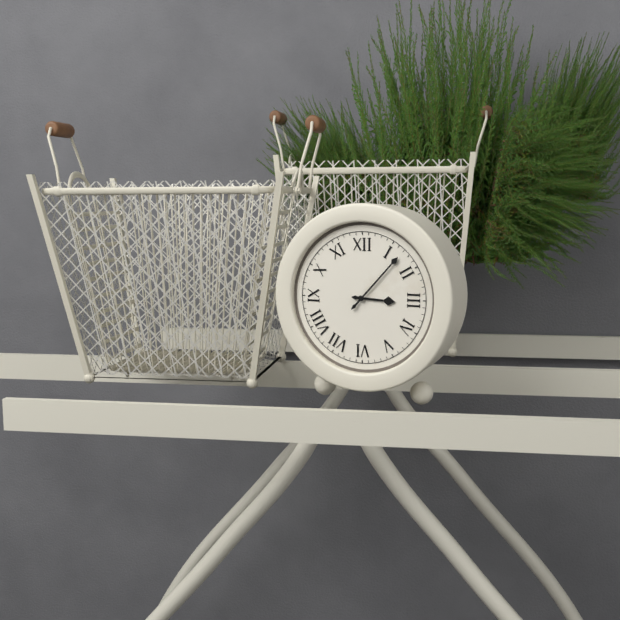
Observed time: 3.07
